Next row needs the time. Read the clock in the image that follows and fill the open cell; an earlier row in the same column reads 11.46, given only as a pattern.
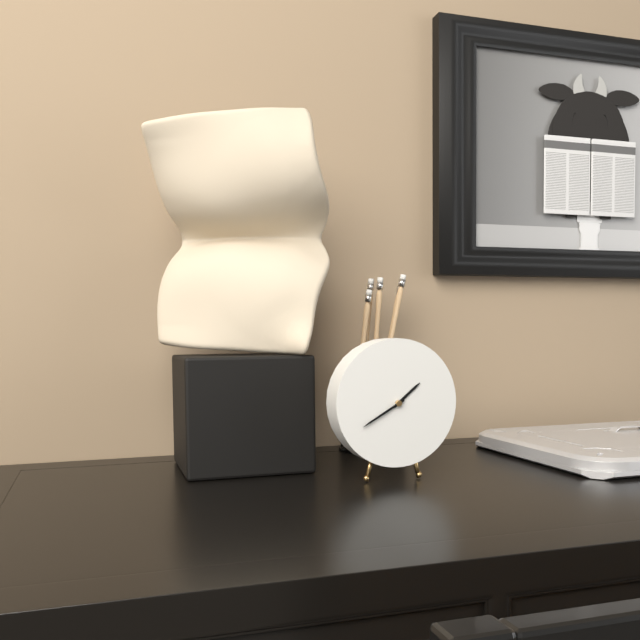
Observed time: 1.40
